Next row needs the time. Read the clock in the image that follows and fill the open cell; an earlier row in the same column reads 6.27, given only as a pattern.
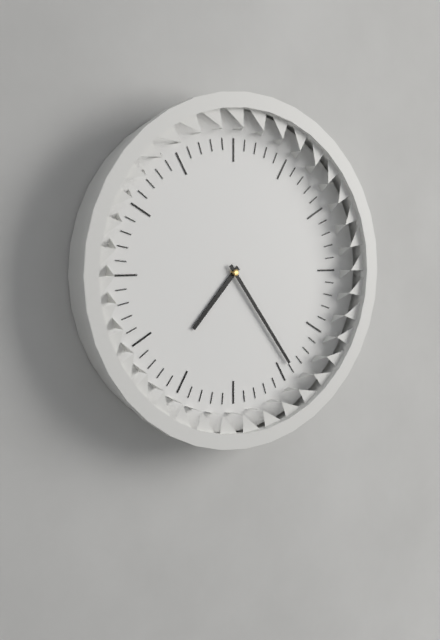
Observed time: 7.24
